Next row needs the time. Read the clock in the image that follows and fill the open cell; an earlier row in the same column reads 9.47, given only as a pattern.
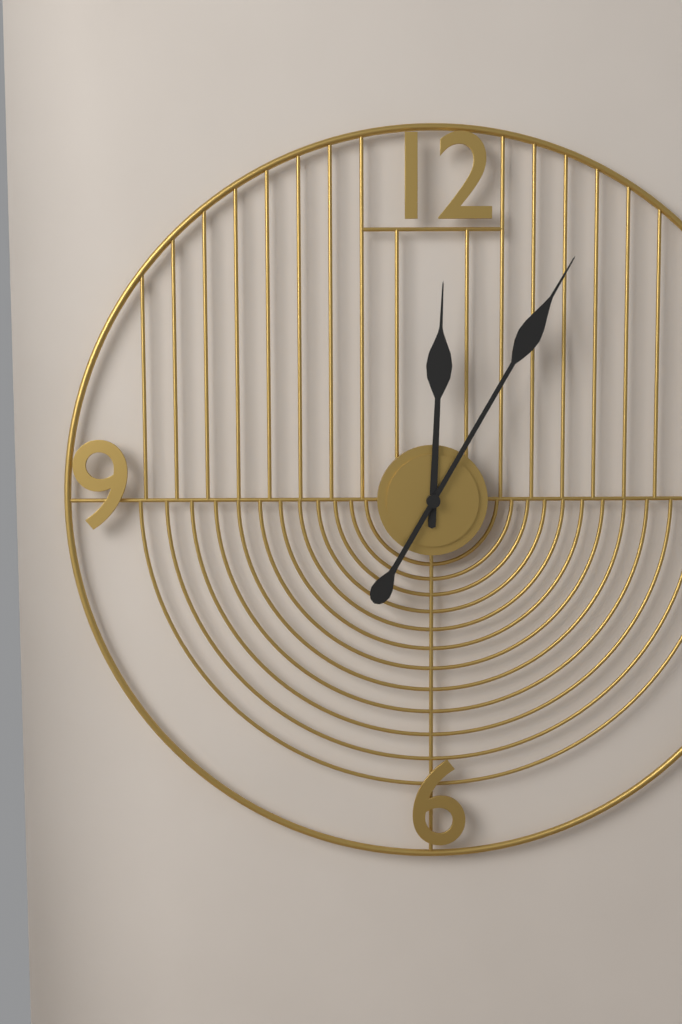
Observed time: 12.05
